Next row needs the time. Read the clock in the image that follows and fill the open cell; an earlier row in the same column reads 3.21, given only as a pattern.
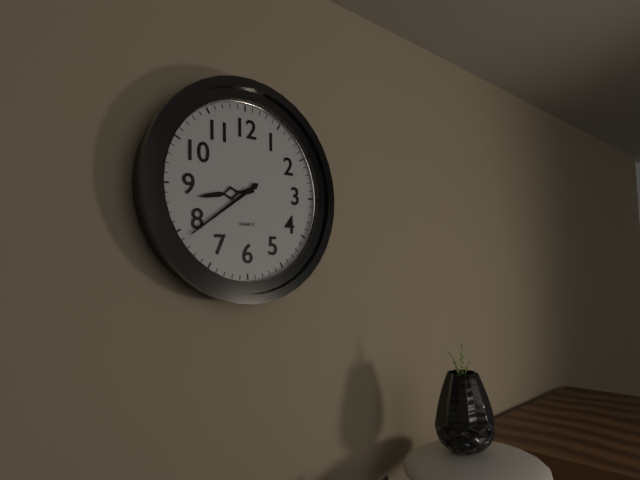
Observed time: 8.39
